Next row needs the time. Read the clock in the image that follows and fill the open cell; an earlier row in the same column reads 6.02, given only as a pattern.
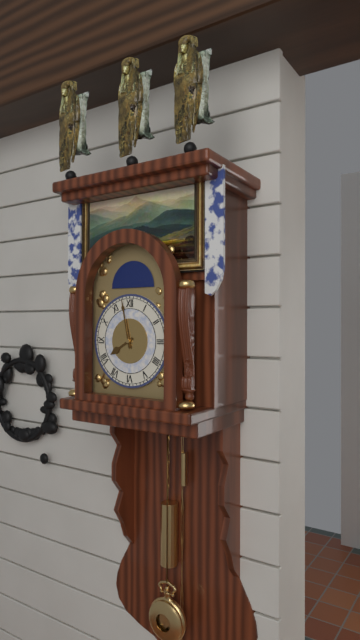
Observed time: 7.58
